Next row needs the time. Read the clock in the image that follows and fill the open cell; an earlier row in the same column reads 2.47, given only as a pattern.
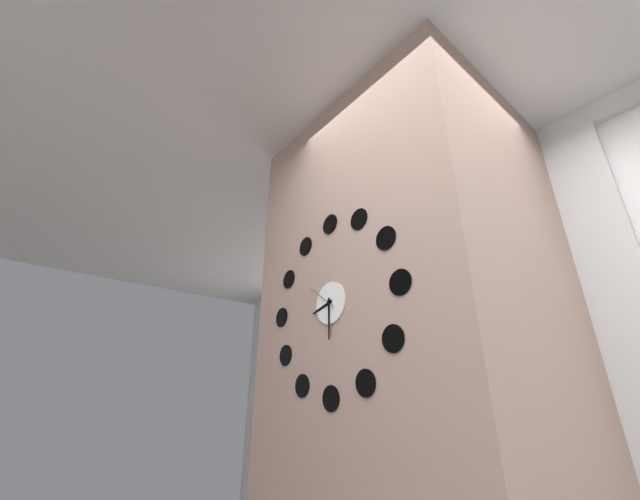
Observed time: 8.30
